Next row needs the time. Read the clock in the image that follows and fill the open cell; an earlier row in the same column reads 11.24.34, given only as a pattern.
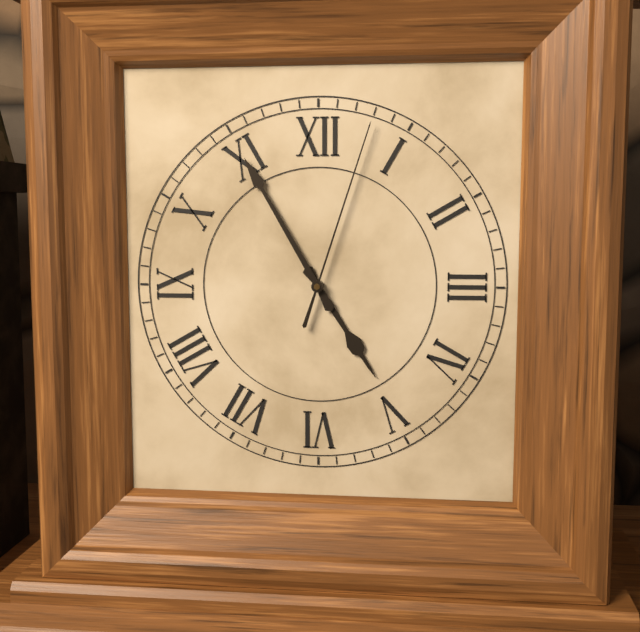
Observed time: 4.55.03
